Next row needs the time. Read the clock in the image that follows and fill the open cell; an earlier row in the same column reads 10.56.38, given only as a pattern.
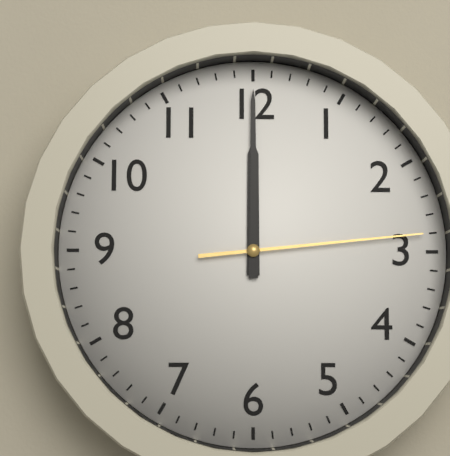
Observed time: 12.00.14
